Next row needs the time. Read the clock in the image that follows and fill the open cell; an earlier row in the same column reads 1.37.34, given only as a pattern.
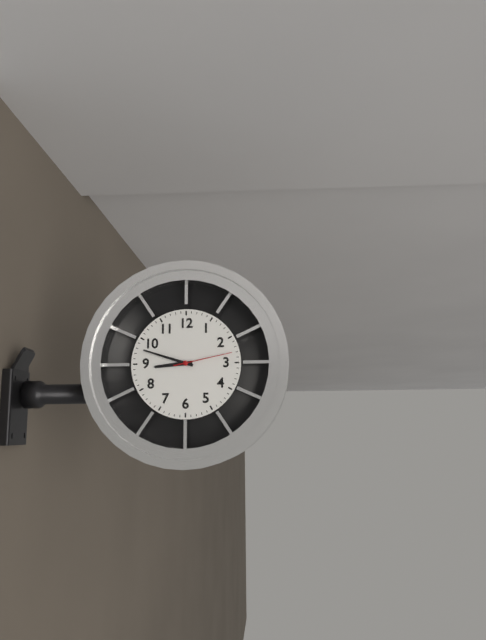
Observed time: 8.48.13
